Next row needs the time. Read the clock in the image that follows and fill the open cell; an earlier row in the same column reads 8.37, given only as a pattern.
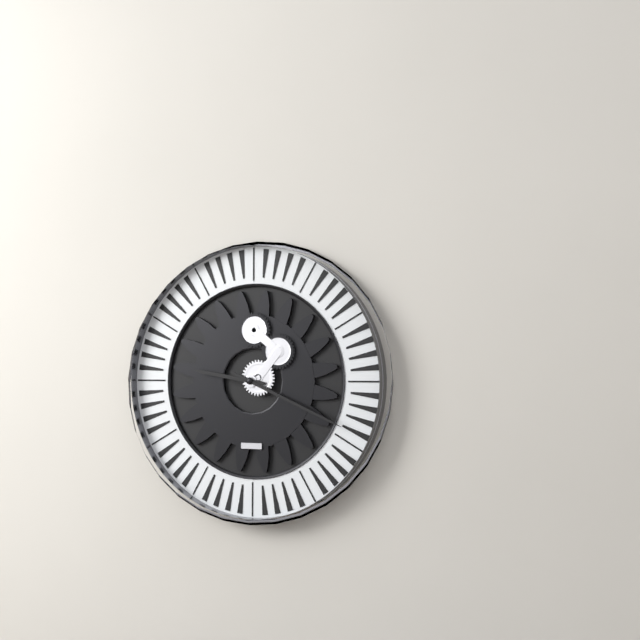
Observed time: 9.19
